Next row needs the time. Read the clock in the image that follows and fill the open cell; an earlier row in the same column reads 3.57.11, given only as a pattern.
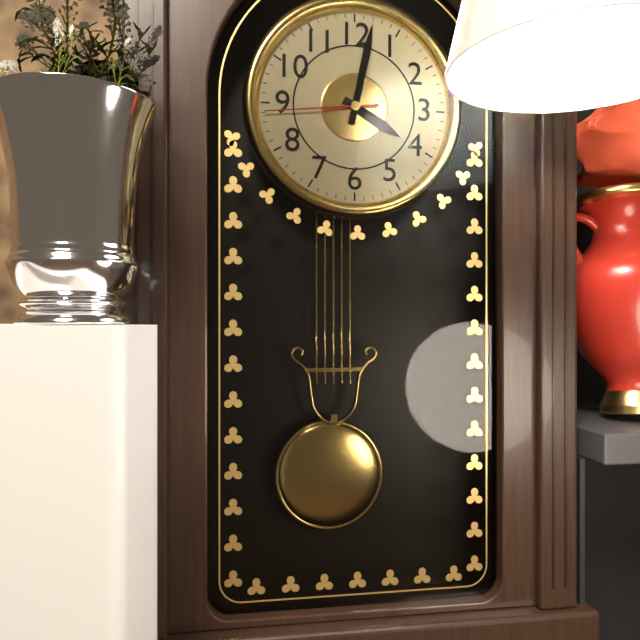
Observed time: 4.02.44
